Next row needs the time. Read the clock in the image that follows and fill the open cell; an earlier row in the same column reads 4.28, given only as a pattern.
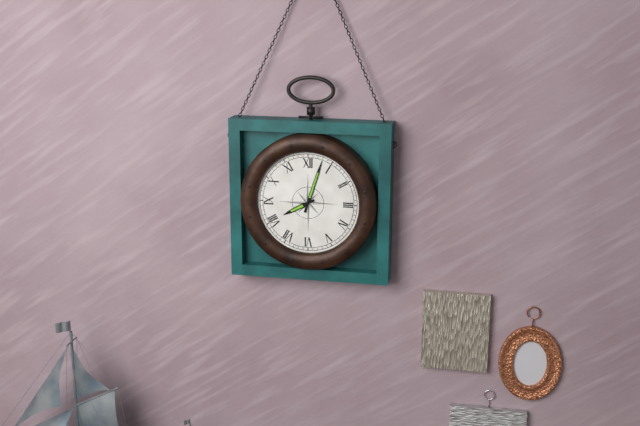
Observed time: 8.03
